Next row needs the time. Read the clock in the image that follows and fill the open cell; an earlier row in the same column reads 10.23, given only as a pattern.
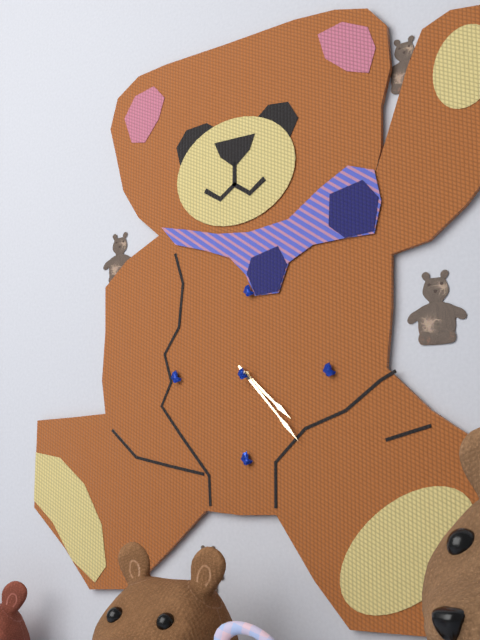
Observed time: 4.23
